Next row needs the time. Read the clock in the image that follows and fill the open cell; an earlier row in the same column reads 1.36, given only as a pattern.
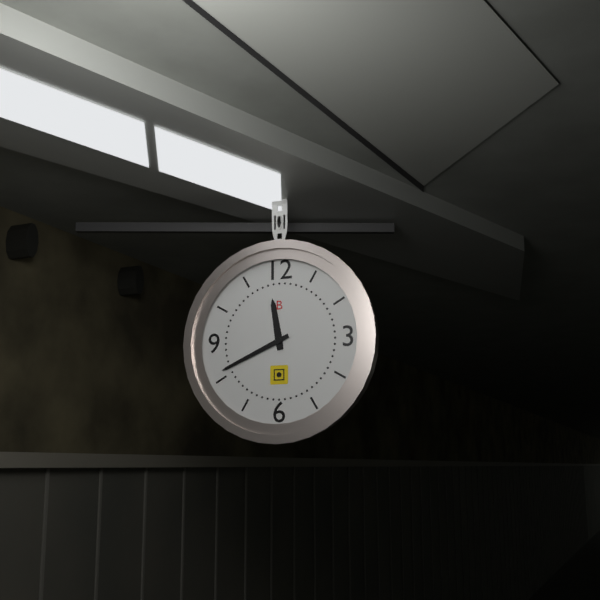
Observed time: 11.41
